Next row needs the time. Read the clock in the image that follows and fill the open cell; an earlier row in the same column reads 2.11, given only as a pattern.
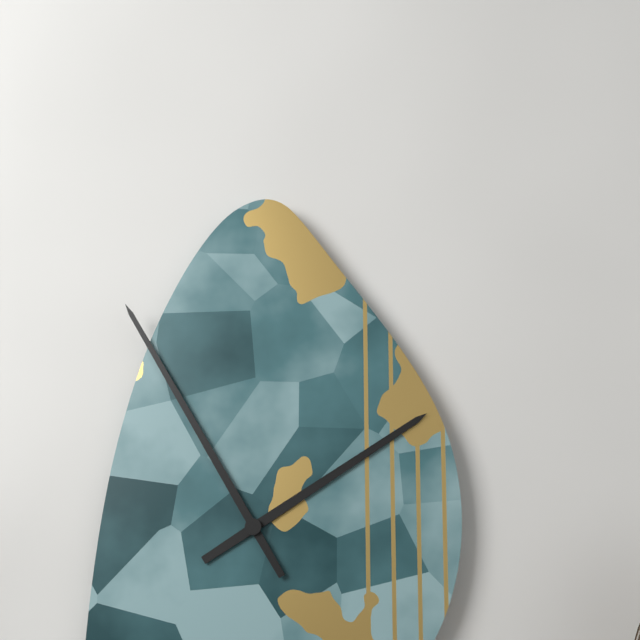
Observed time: 1.55
